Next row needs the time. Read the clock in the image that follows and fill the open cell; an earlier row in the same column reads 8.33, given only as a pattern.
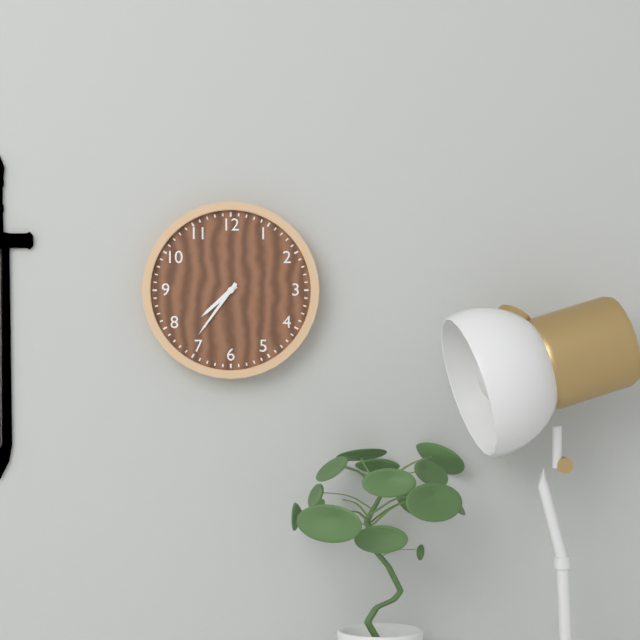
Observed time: 7.36
